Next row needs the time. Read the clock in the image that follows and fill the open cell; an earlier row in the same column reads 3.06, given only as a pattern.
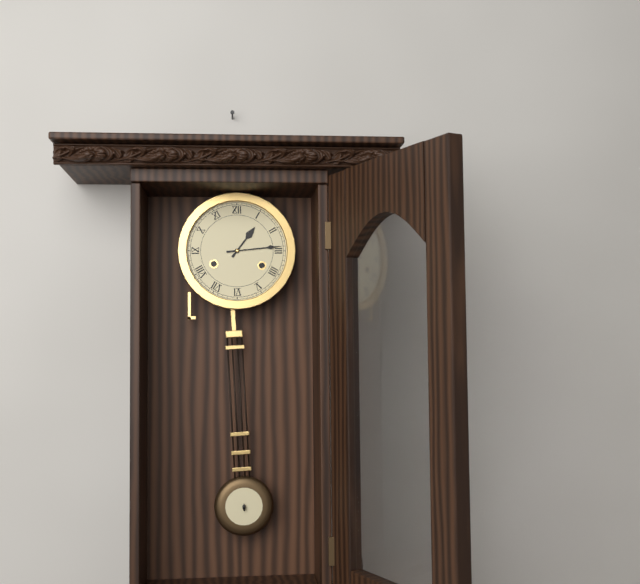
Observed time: 1.14
